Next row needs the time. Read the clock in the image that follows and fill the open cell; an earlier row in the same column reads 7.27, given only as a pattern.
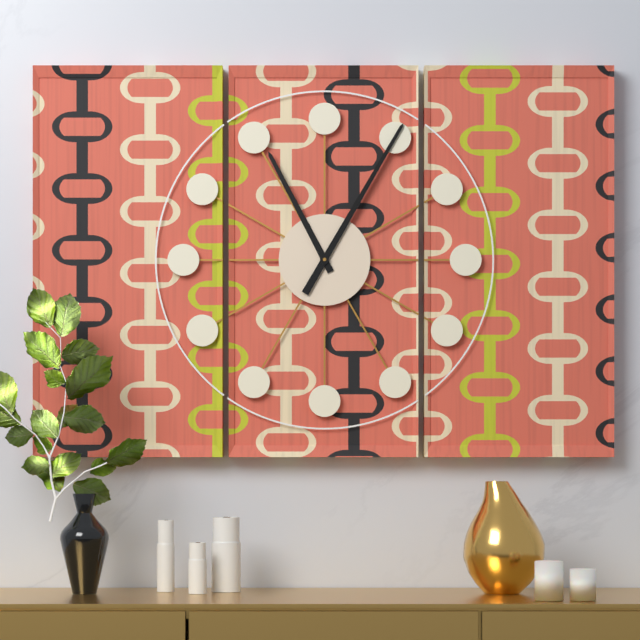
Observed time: 11.05
